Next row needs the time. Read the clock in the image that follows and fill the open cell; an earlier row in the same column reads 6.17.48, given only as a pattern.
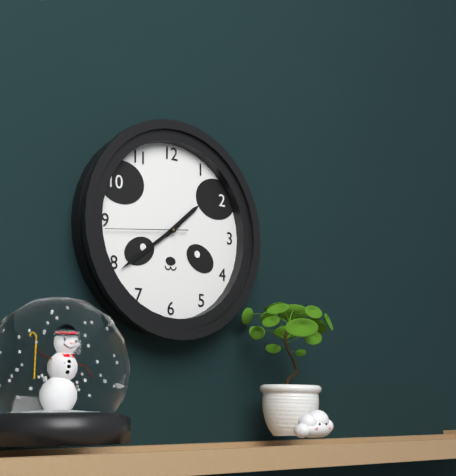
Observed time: 1.39.44
